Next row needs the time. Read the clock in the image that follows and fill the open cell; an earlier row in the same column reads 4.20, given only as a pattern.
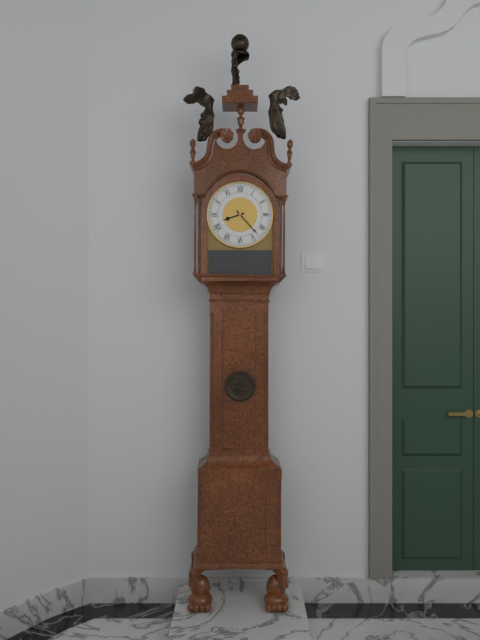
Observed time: 8.23
